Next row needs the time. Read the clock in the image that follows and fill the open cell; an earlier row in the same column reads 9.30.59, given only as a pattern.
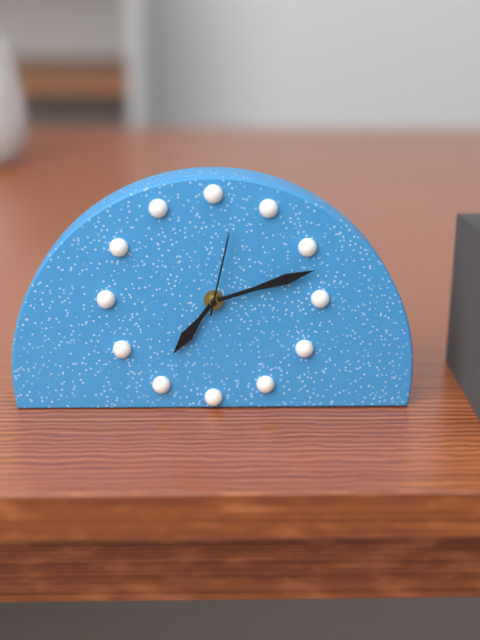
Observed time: 7.12.02
